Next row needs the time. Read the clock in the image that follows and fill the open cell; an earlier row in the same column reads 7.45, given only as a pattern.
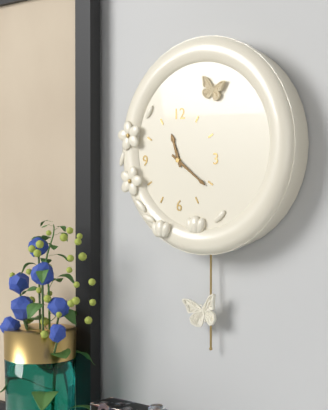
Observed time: 11.21
